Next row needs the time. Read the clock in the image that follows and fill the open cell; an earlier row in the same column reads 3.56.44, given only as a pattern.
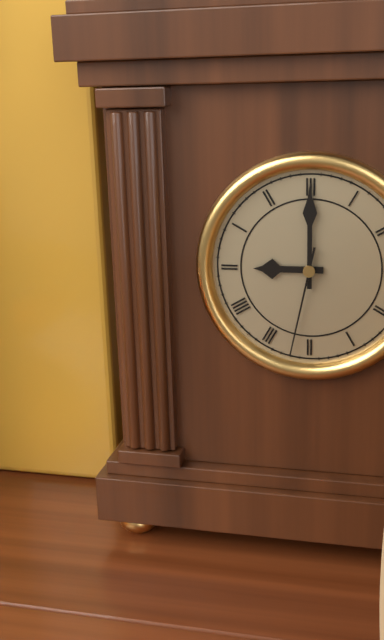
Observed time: 9.00.32
